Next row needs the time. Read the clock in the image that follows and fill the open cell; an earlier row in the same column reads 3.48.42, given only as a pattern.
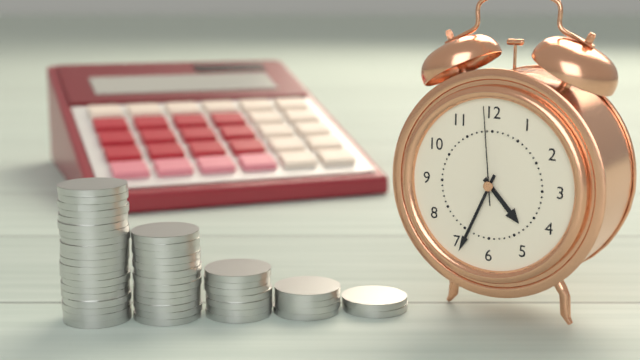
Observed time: 4.34.59
